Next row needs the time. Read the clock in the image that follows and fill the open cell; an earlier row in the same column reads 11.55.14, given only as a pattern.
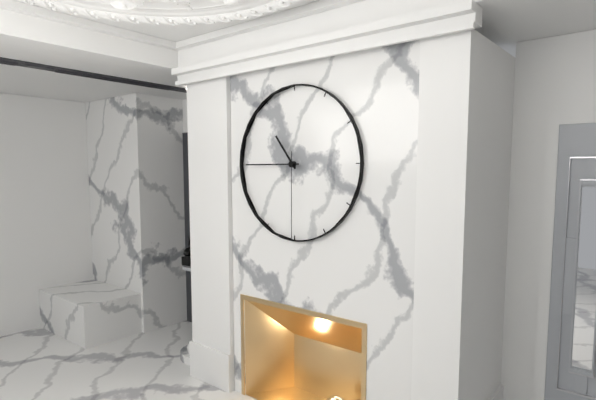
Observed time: 10.45.30
